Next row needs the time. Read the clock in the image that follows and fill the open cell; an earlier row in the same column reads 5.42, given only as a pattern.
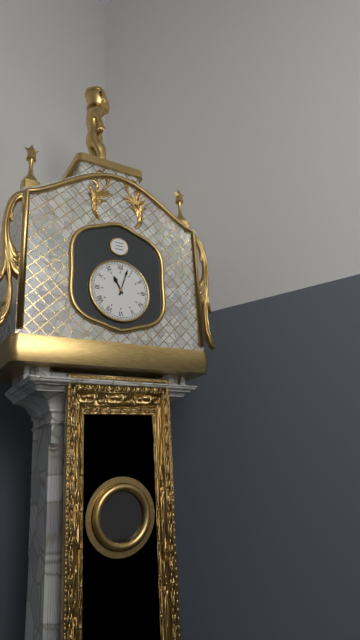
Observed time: 11.03
